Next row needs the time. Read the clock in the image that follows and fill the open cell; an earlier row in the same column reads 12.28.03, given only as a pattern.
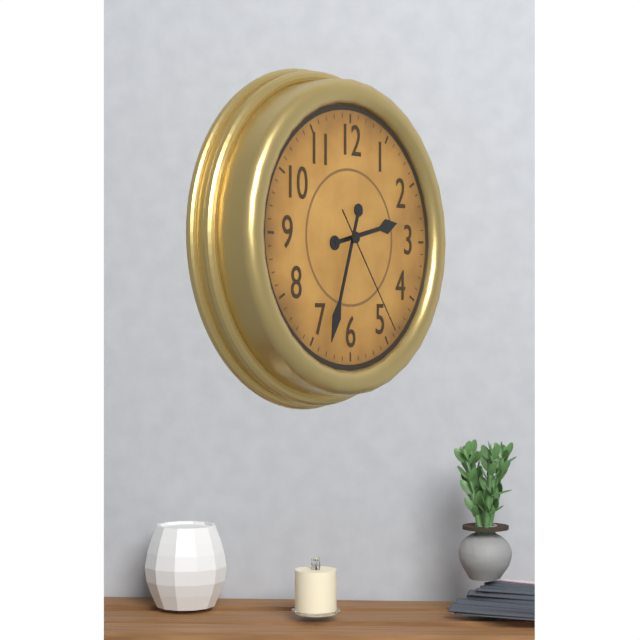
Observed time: 2.33.24
